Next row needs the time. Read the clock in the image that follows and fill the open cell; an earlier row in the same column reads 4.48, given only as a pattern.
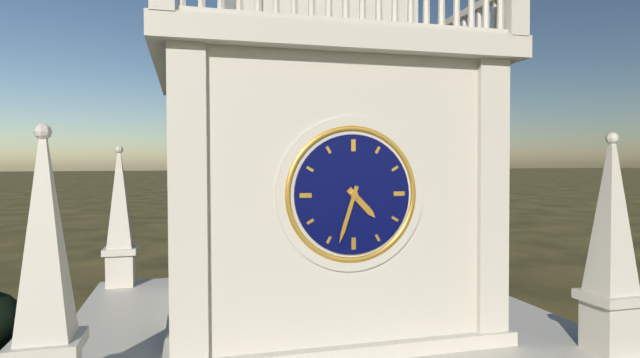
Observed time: 4.33
